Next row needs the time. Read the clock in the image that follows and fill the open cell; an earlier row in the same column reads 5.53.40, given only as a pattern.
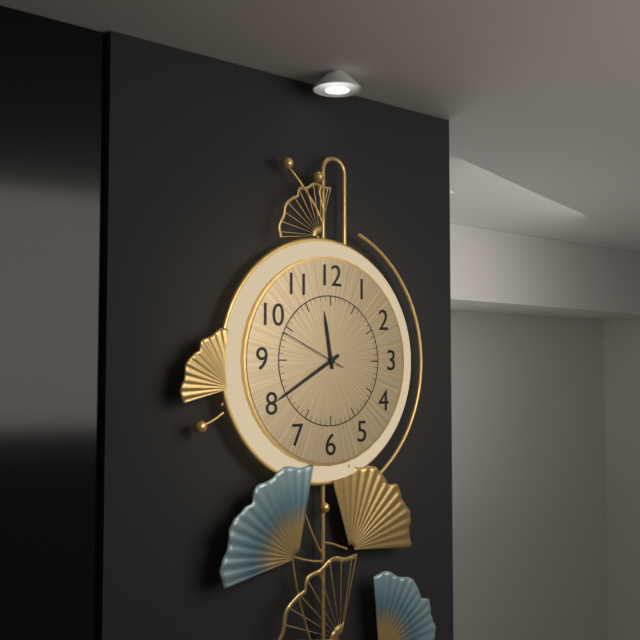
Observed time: 11.40.49
